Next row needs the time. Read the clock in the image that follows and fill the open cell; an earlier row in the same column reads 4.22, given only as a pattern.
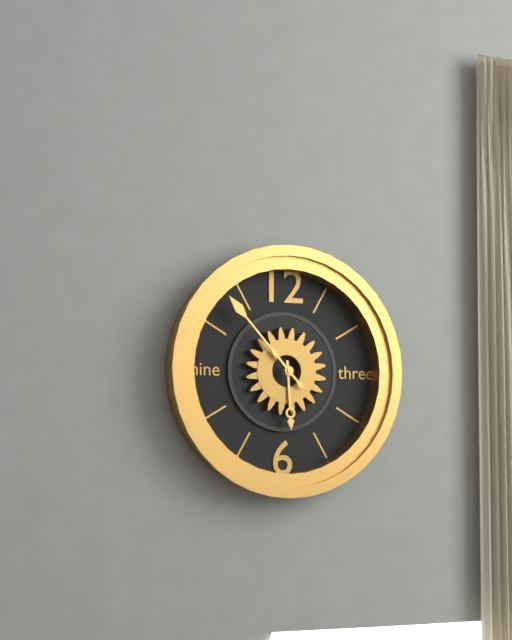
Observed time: 5.53
